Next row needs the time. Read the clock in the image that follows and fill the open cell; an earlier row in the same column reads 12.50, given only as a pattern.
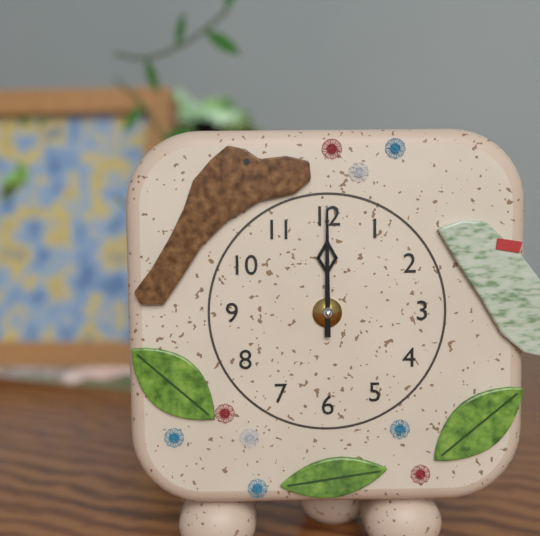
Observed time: 12.00
